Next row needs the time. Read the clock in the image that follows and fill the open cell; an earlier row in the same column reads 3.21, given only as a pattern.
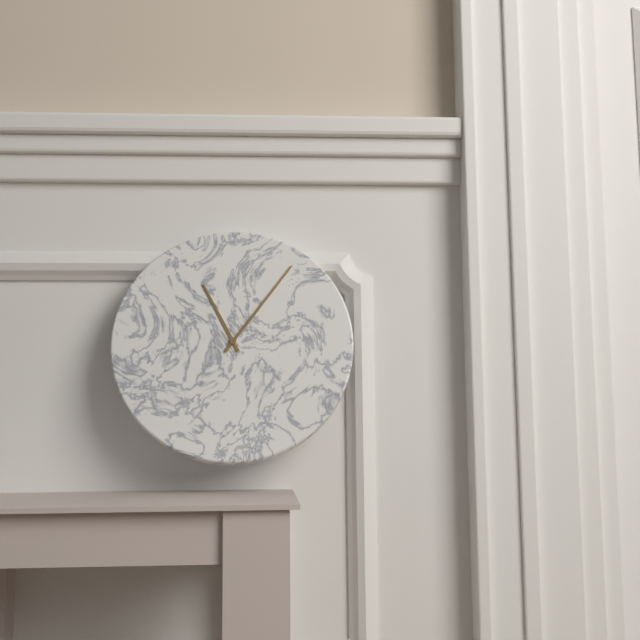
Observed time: 11.06
